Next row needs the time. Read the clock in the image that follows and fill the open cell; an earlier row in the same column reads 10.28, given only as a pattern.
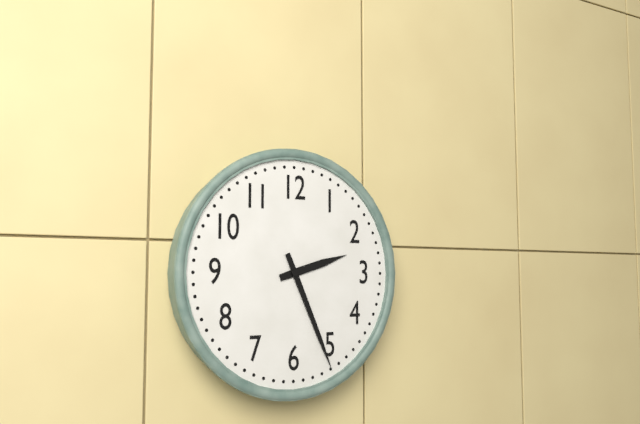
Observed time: 2.26
